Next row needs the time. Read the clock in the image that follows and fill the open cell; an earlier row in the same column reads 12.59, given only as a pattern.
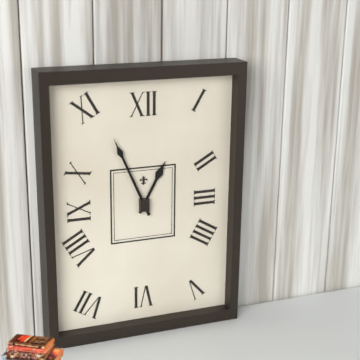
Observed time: 12.56
